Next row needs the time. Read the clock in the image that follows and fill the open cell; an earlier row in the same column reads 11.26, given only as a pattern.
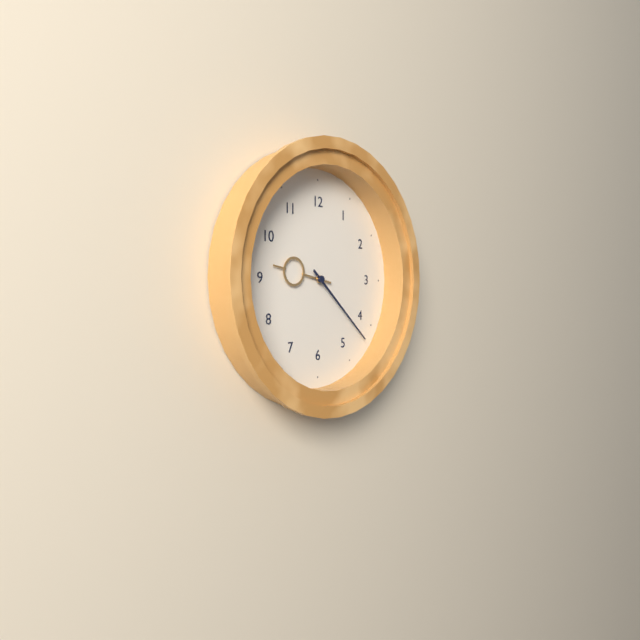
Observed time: 9.22
